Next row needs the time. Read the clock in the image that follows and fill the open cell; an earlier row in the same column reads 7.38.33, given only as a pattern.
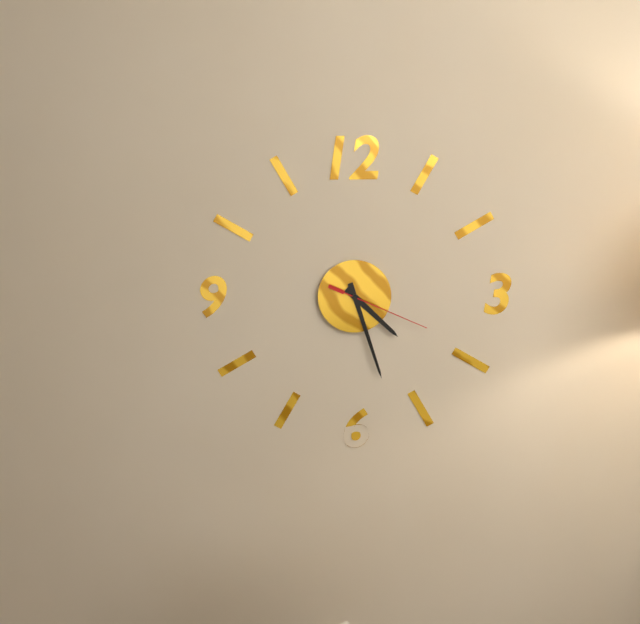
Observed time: 4.27.19
